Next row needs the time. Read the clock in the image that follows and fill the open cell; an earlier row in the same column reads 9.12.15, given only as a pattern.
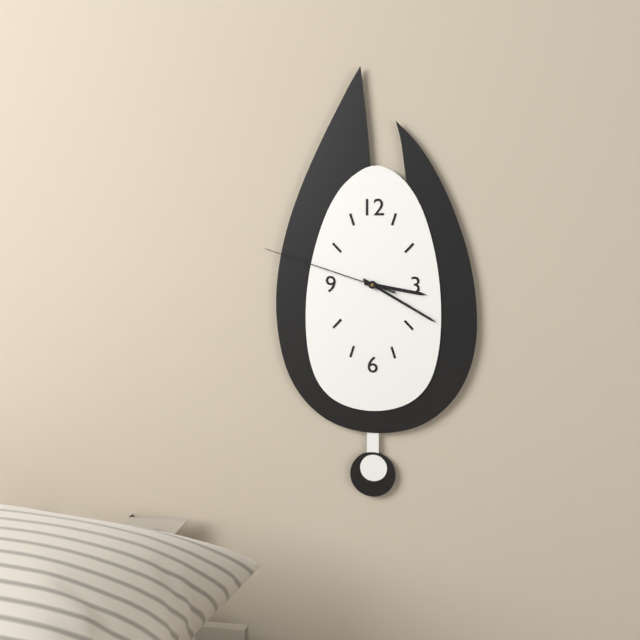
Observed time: 3.20.48
